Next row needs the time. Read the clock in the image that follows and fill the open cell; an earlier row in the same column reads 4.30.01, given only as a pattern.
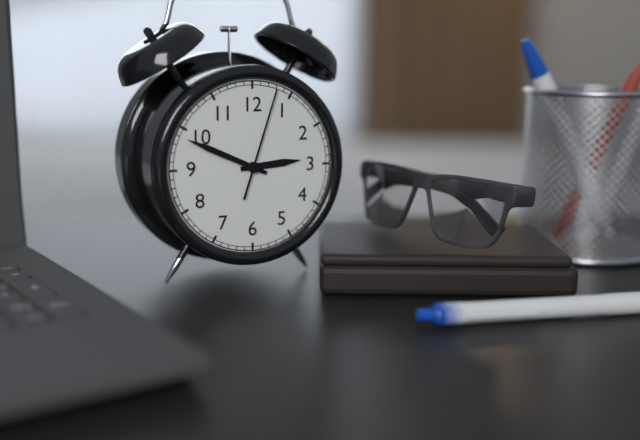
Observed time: 2.49.03
